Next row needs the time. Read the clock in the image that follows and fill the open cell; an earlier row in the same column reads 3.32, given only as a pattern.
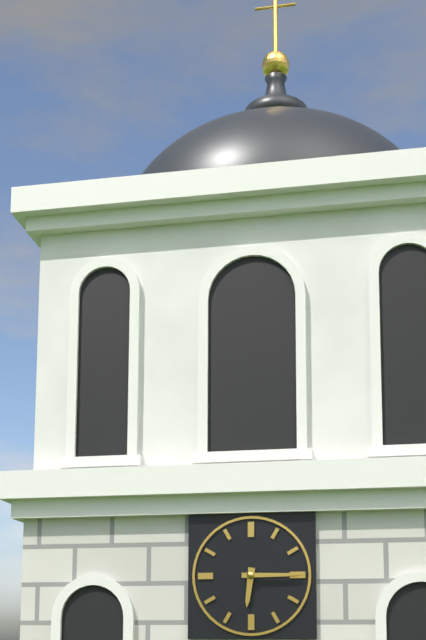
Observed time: 6.15
